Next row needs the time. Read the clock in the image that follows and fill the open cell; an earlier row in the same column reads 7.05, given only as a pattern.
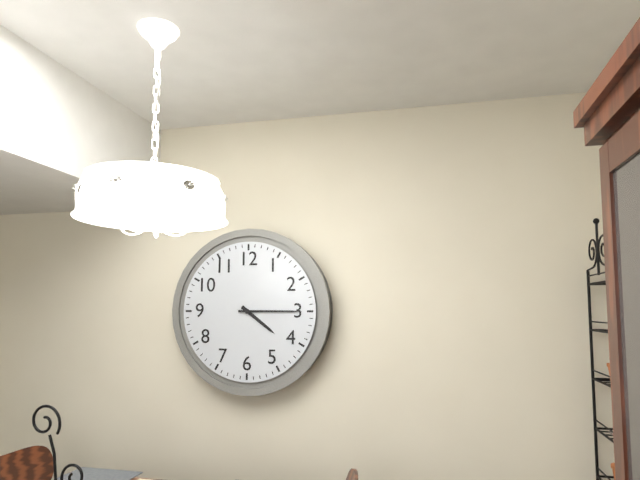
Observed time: 4.15
